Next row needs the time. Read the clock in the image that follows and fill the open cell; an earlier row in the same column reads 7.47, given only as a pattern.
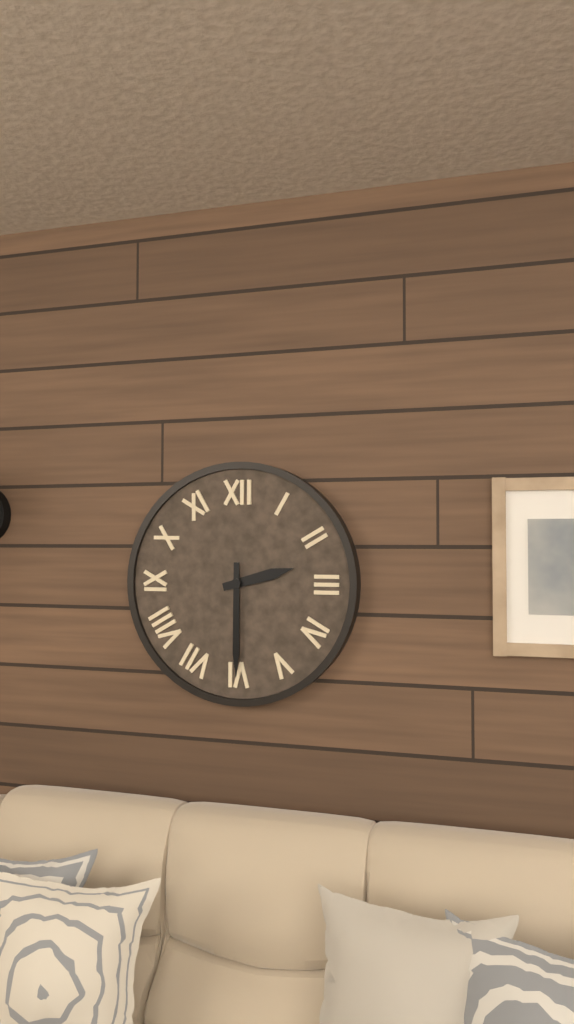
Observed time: 2.30
